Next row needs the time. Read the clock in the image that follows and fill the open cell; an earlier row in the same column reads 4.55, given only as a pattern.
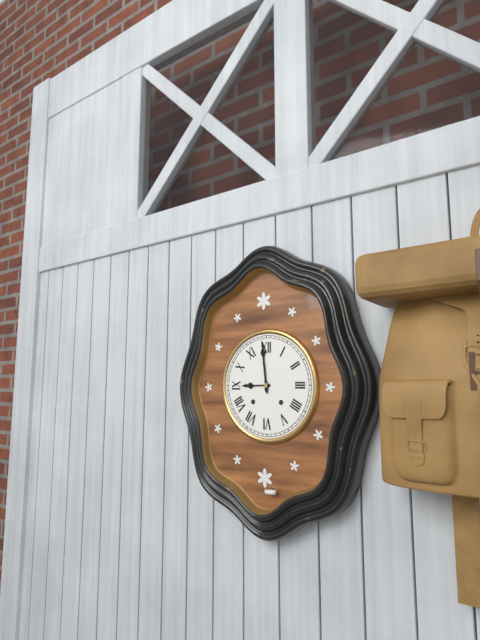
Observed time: 8.59
